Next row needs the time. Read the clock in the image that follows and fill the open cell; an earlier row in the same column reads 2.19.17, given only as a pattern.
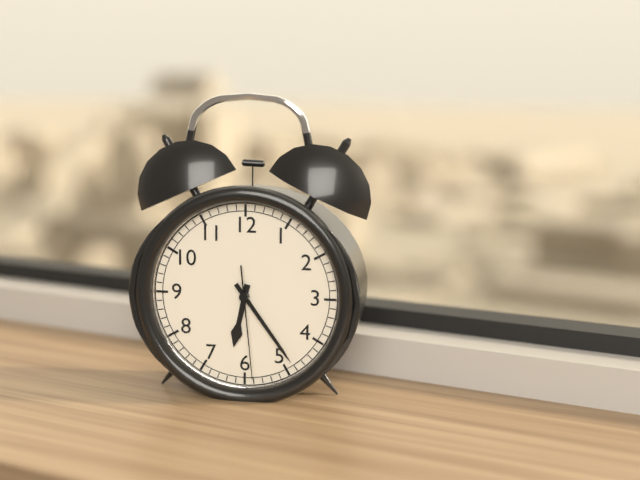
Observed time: 6.24.29
